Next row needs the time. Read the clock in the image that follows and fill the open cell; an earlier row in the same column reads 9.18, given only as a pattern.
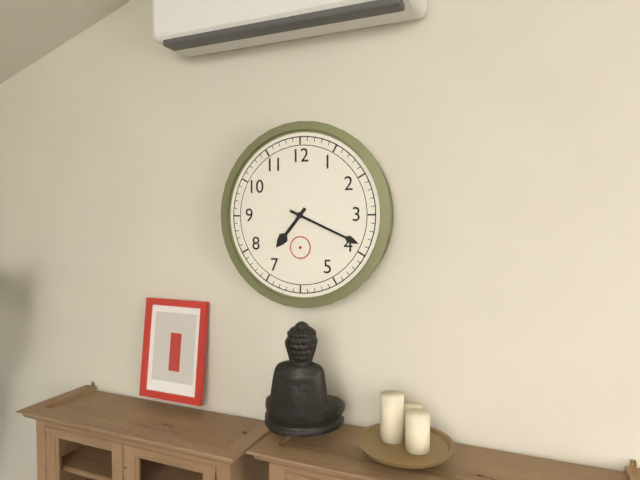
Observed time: 7.19
